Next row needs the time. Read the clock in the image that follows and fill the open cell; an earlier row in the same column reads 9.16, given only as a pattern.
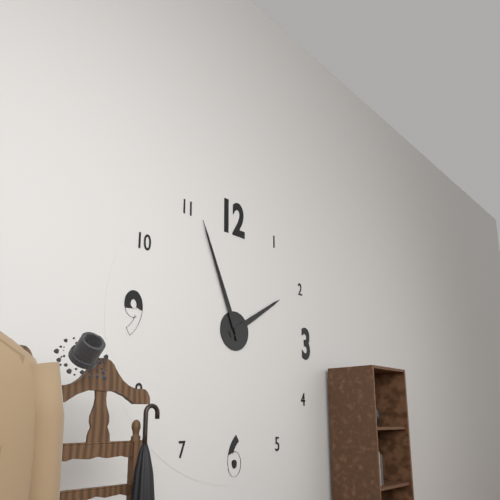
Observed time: 1.56
